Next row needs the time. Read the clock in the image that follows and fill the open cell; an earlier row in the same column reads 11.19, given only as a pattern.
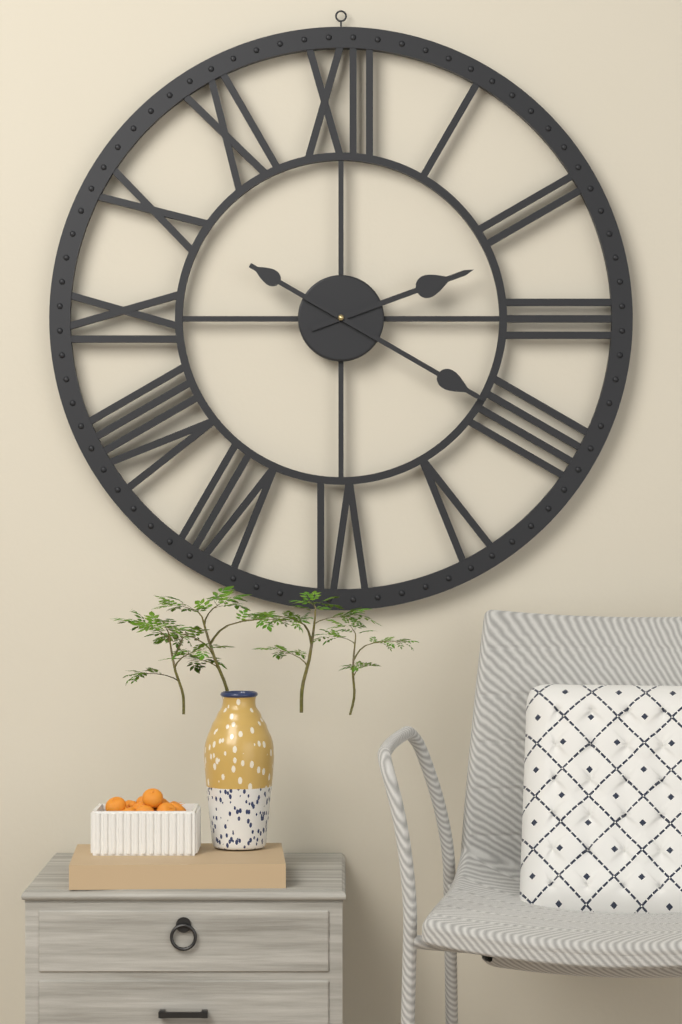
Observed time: 2.20
